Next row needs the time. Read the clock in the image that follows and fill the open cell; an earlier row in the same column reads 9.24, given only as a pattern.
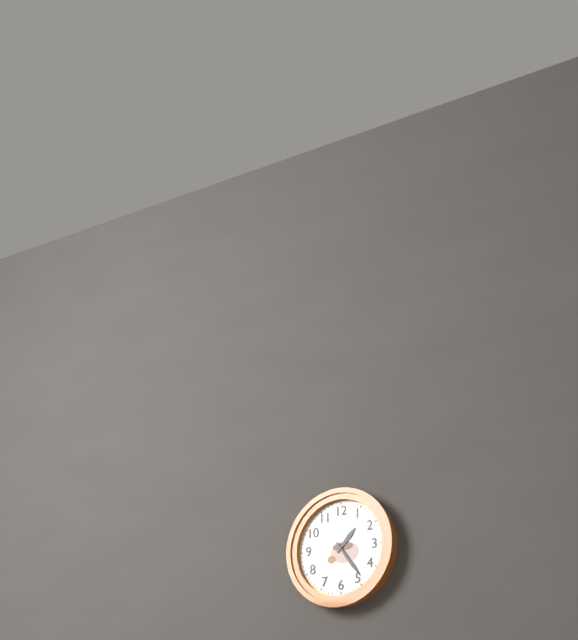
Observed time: 1.24
